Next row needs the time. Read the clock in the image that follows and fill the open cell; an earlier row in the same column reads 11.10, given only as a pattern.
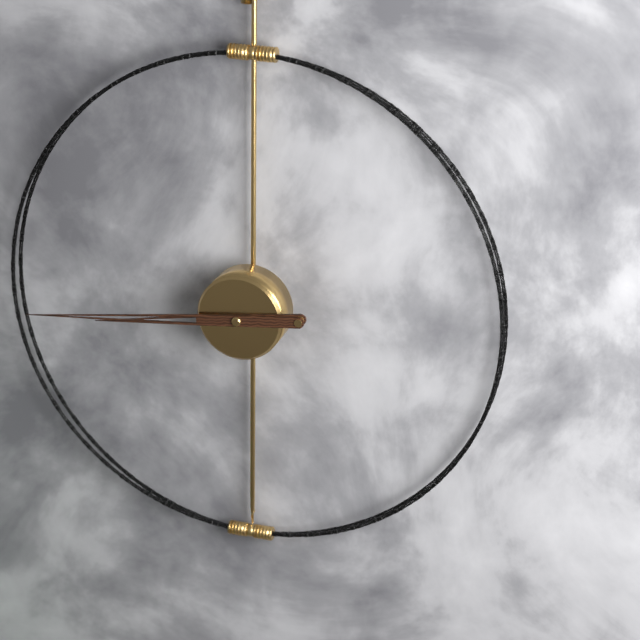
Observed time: 8.44
